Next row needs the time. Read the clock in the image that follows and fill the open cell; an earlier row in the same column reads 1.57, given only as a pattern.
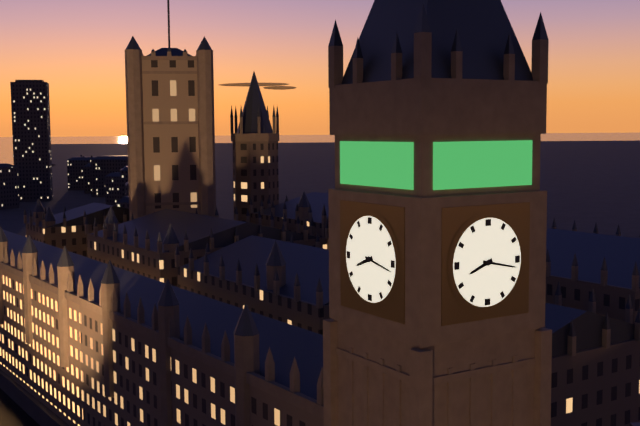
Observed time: 8.17
